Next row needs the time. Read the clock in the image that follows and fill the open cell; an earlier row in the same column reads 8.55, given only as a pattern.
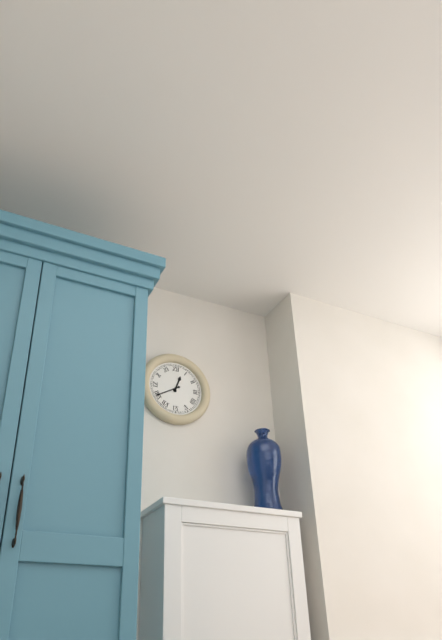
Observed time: 12.40
